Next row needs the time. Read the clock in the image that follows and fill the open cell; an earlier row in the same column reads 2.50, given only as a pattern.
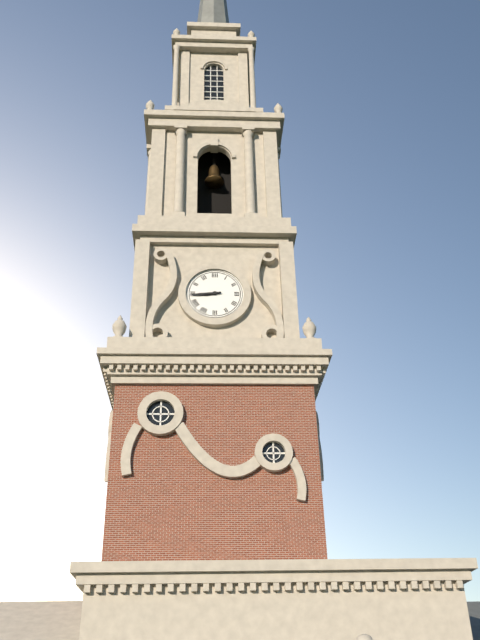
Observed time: 8.44
